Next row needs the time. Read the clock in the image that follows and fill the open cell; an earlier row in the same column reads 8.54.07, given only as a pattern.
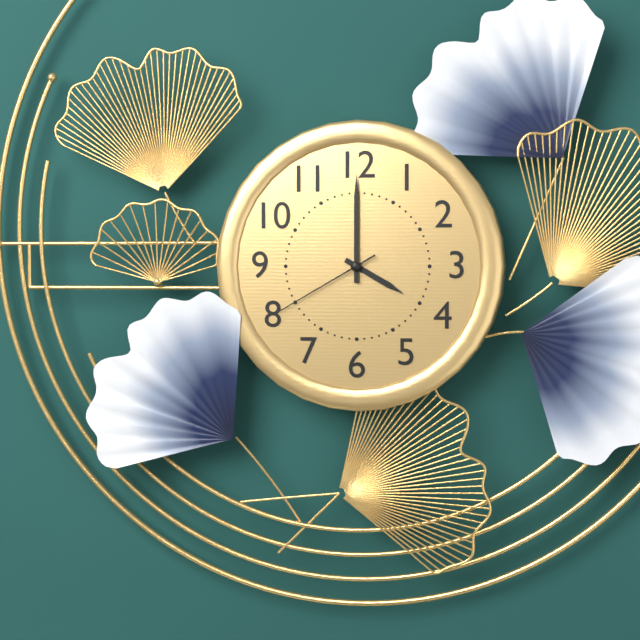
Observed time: 4.00.40
